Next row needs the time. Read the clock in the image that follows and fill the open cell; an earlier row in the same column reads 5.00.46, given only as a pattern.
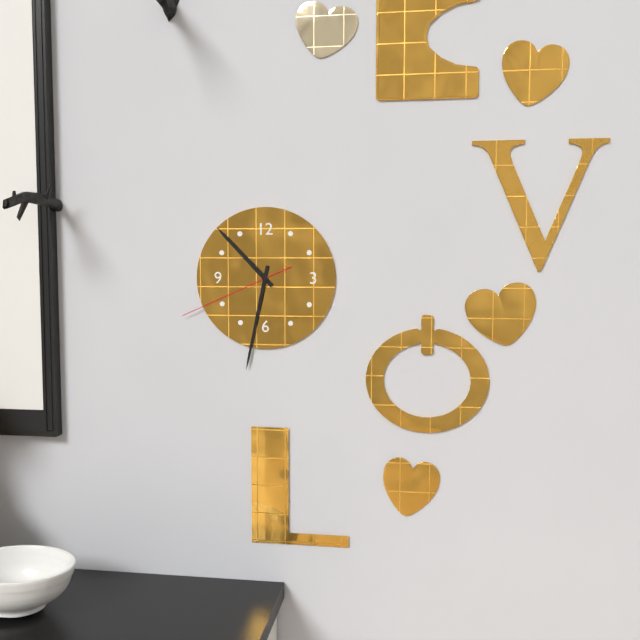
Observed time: 10.32.41
